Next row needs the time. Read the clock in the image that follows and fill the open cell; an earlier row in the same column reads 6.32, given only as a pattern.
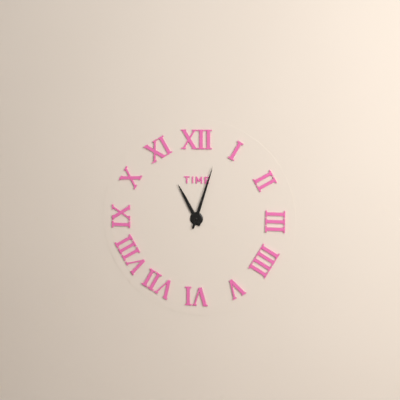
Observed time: 11.03
